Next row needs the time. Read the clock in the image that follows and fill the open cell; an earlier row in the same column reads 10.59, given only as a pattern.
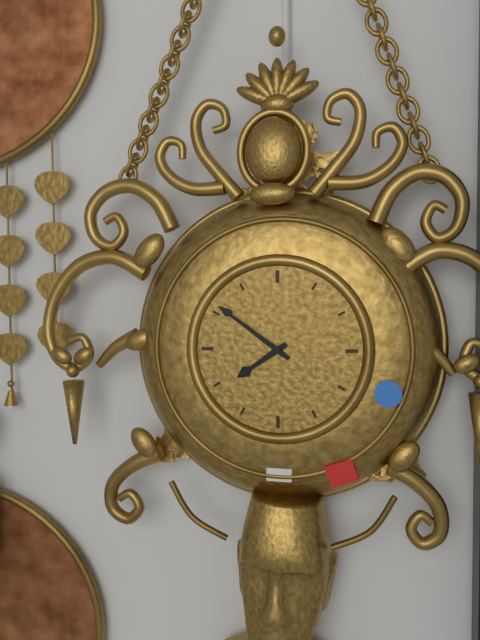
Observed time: 7.51
